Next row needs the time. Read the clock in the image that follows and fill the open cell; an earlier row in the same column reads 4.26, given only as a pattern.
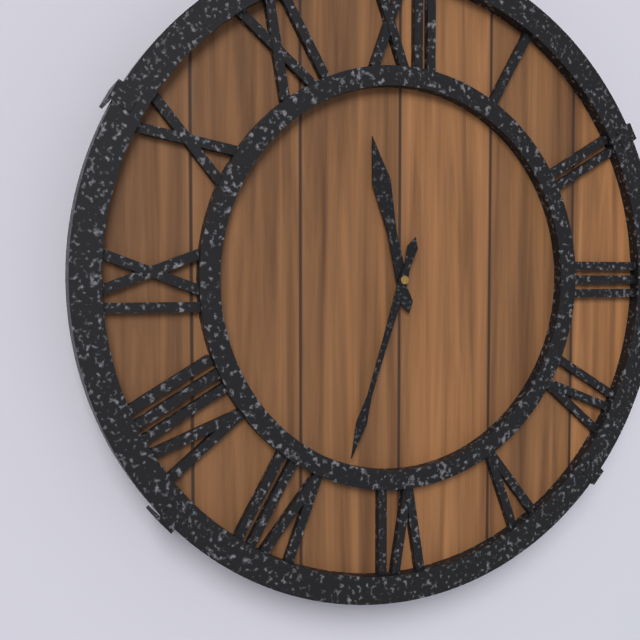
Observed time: 11.33
